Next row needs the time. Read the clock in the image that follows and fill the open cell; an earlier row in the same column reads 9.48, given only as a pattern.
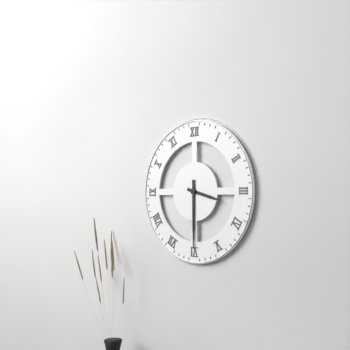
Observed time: 3.30
